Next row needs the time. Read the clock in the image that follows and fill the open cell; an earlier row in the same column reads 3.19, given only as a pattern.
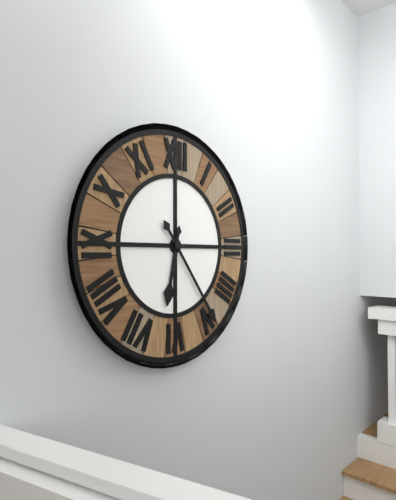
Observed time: 6.24
